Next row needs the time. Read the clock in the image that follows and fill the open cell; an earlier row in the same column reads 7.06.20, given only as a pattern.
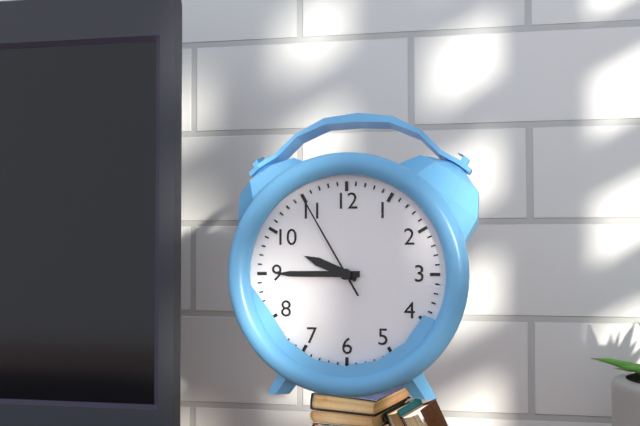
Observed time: 9.45.55
